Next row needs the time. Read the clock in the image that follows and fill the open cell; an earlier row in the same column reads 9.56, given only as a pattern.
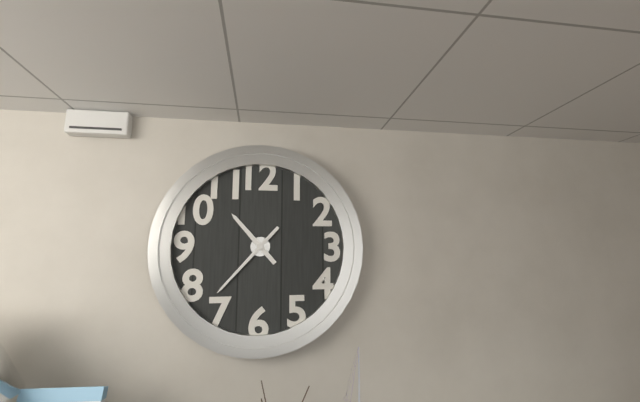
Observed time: 10.37
